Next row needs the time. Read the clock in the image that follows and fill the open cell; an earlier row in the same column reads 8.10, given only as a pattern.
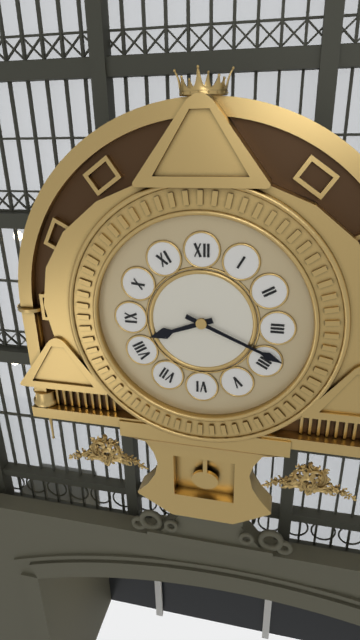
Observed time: 8.19
